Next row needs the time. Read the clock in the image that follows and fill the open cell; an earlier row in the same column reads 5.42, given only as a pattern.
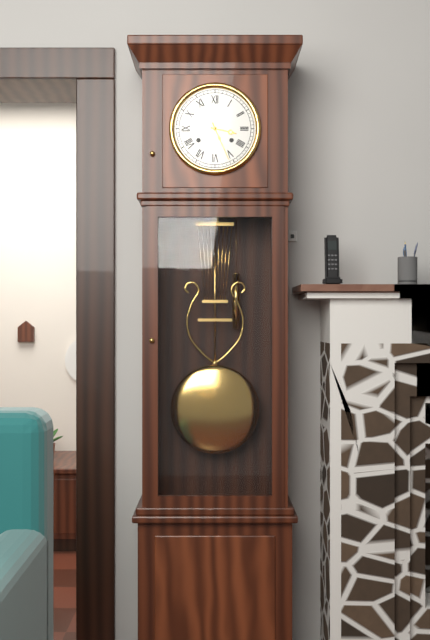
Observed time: 3.26
